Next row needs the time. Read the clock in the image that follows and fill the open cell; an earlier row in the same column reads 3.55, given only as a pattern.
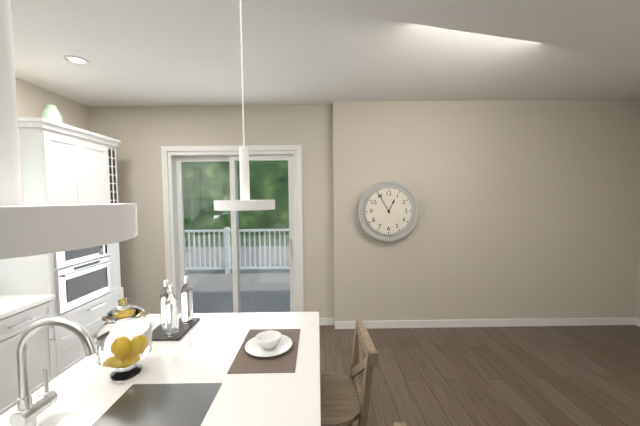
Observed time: 12.55
